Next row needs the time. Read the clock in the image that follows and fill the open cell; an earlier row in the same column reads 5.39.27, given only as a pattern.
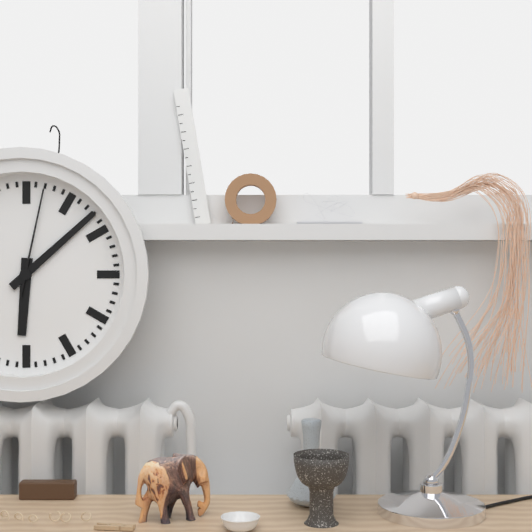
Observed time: 6.08.02
